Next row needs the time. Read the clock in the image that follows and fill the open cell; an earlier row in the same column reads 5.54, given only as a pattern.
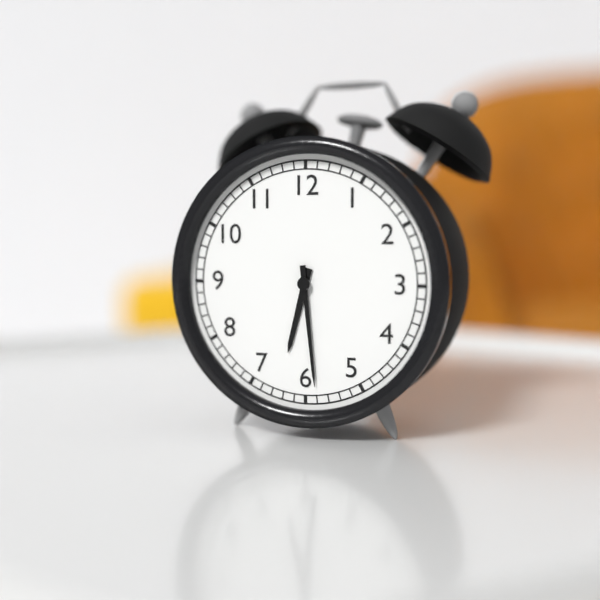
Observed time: 6.29
